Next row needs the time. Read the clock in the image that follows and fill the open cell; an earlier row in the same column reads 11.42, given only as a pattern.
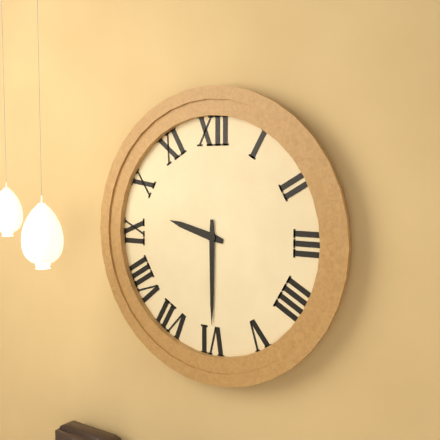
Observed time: 9.30
